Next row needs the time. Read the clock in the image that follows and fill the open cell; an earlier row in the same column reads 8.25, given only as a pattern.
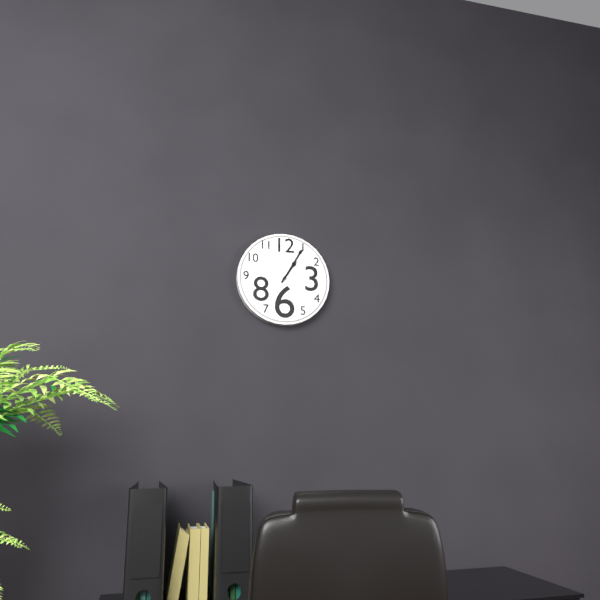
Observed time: 1.05
